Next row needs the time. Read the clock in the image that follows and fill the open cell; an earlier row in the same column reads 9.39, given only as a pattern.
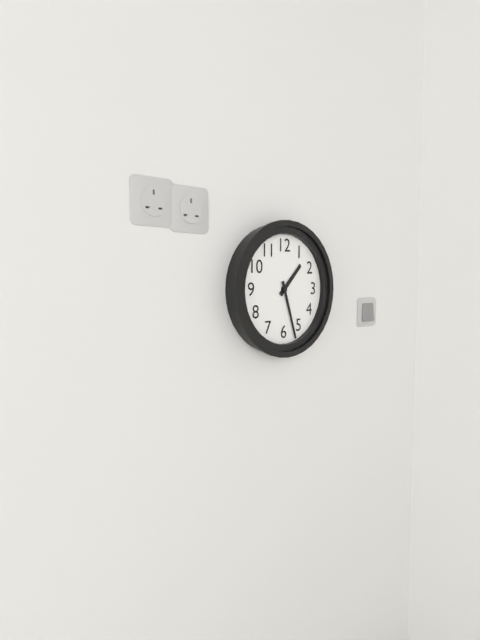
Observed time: 1.27
